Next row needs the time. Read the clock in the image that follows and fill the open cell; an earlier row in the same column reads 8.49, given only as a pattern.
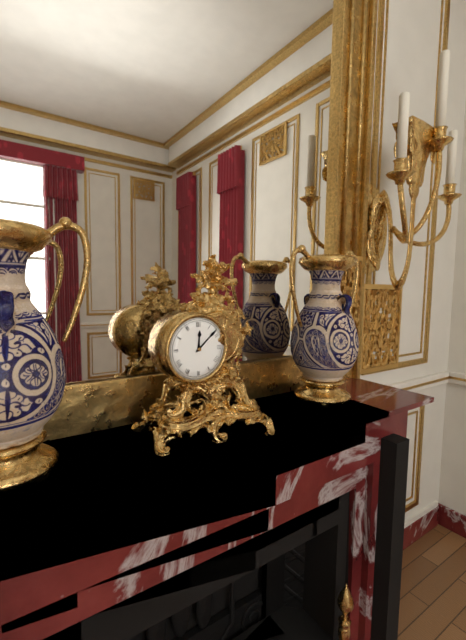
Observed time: 12.08
